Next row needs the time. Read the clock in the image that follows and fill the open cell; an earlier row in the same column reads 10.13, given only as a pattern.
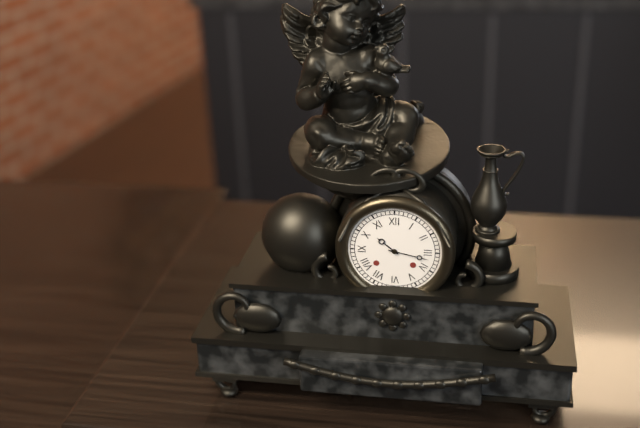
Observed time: 10.17
